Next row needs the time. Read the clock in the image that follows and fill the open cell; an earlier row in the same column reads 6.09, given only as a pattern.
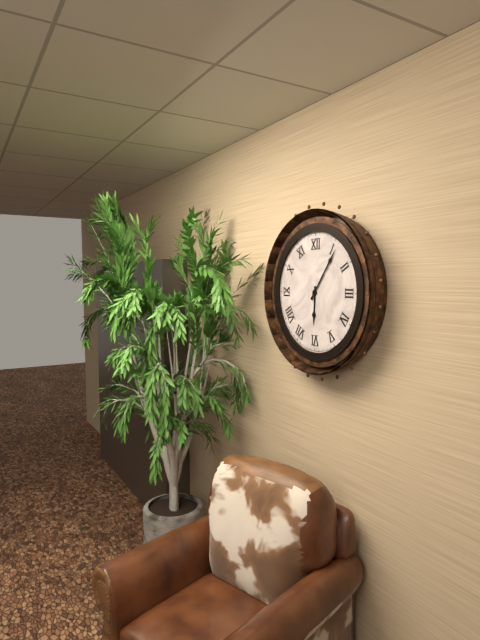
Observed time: 6.06
